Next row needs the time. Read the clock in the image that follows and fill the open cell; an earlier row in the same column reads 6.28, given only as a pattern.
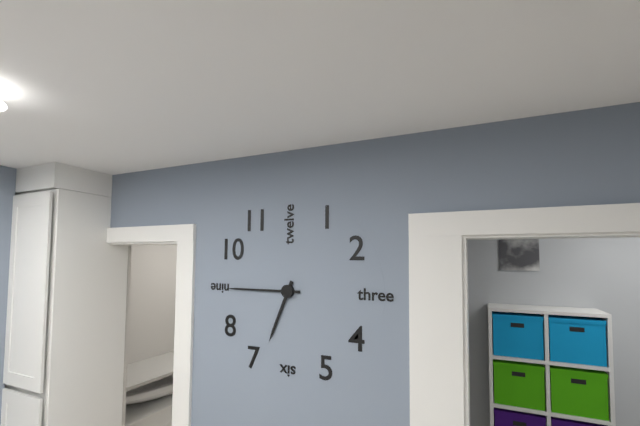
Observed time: 6.45
